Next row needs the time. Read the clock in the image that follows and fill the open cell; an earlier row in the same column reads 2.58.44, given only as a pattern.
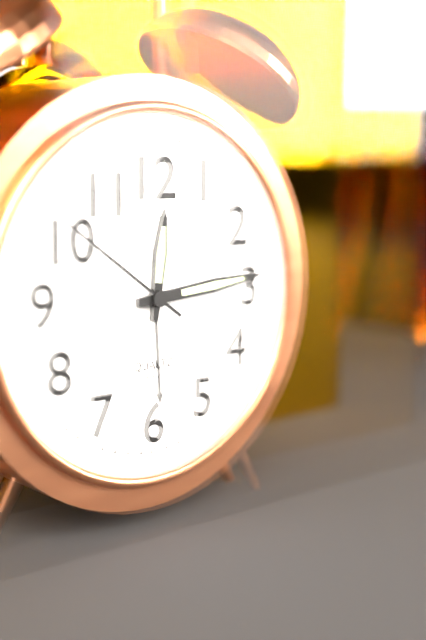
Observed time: 12.14.51
